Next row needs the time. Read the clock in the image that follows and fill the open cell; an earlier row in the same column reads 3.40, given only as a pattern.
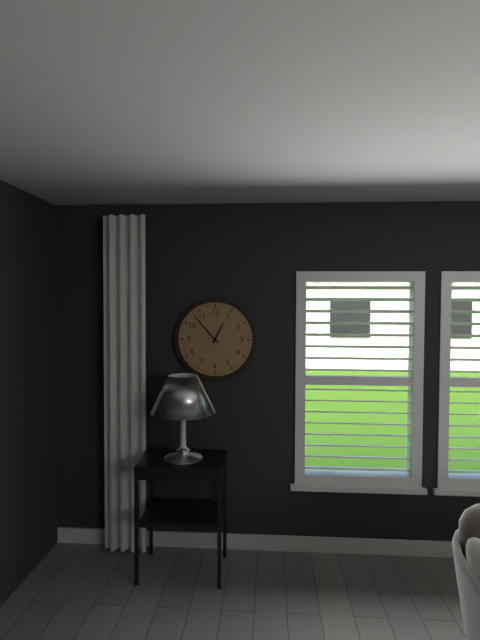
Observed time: 12.53
